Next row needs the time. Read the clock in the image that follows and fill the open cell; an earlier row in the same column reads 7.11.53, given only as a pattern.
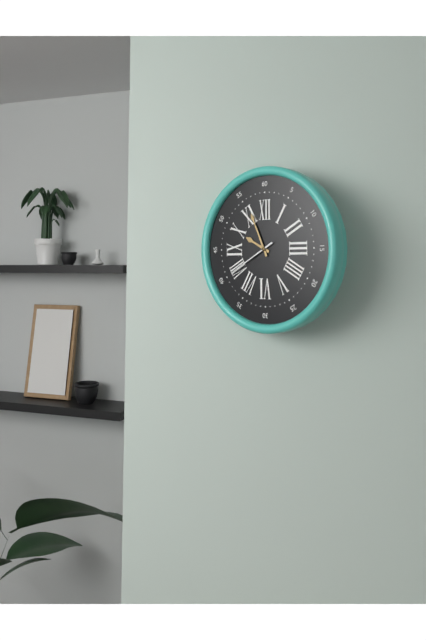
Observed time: 9.56.40
